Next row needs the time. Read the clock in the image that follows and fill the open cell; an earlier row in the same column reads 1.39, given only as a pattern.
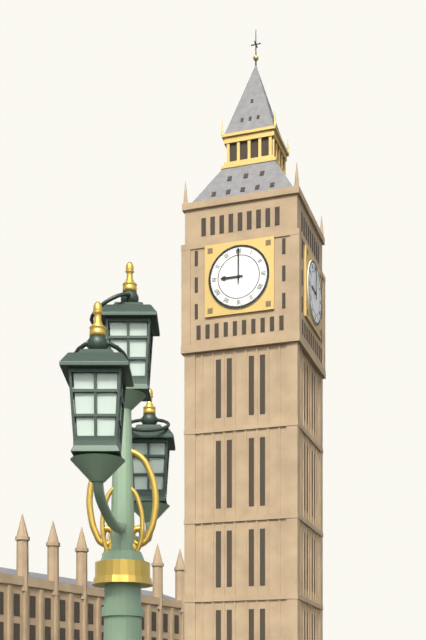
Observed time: 9.00
